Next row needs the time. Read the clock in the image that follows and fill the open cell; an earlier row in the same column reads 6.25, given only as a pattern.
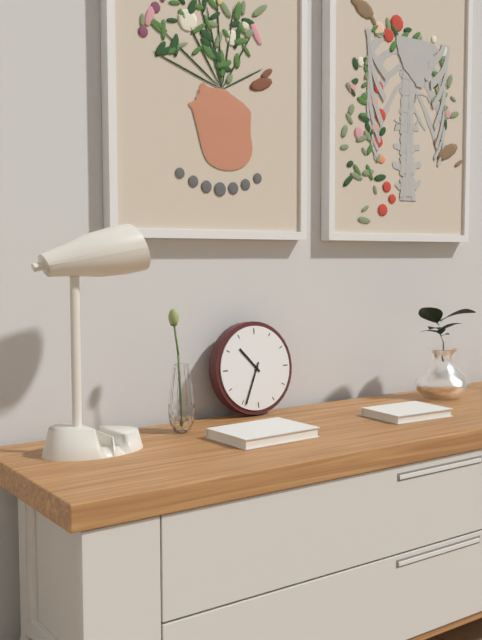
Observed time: 10.34
